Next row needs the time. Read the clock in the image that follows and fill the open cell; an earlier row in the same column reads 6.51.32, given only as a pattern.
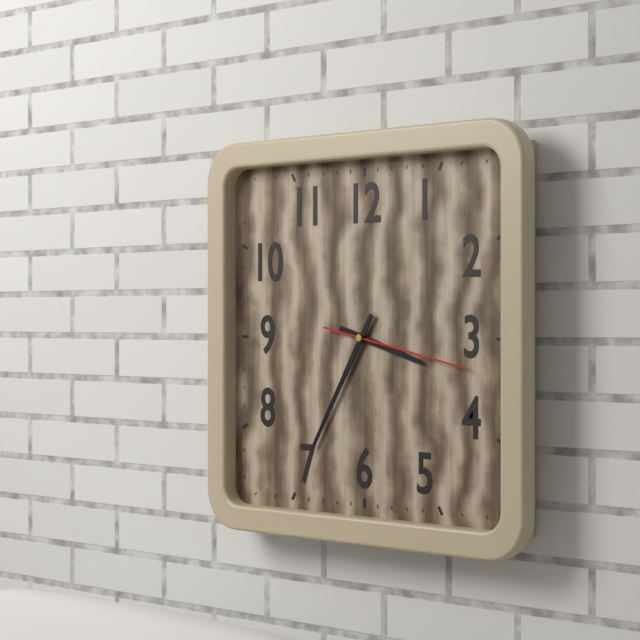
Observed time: 3.35.17
